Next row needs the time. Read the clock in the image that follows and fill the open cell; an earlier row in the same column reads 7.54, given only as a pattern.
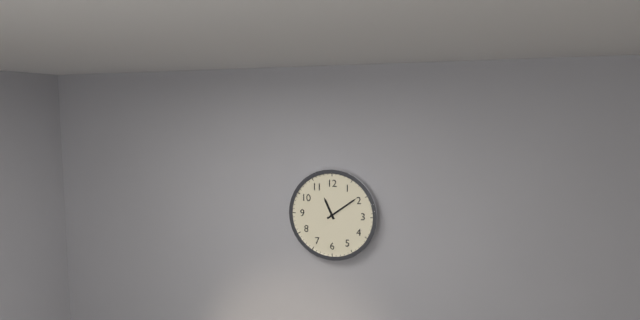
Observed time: 11.09
